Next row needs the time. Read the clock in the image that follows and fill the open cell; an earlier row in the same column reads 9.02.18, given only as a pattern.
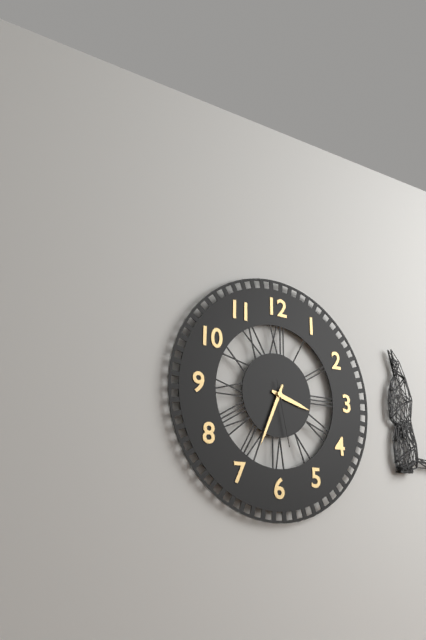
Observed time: 3.34.28
